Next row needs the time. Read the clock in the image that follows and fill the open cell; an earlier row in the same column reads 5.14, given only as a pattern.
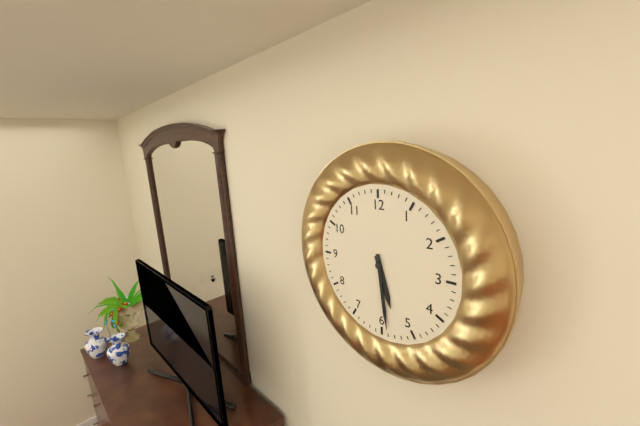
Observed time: 5.29
